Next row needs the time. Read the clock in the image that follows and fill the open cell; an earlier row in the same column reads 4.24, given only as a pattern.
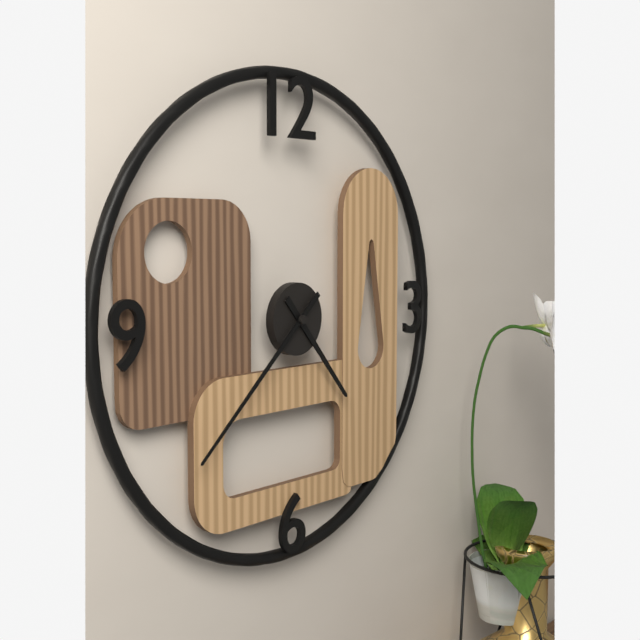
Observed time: 4.38
